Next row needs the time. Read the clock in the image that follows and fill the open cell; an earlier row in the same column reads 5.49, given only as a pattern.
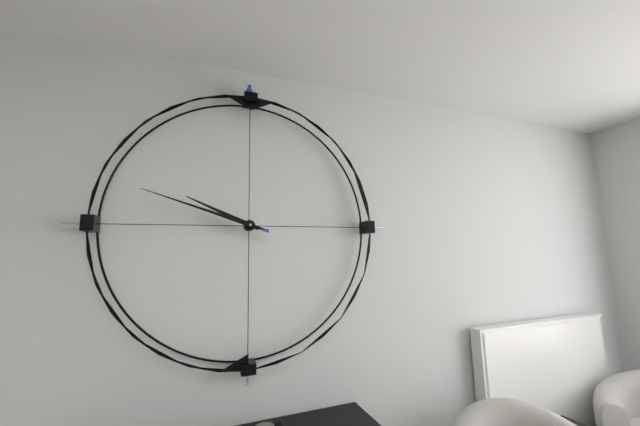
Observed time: 9.48
